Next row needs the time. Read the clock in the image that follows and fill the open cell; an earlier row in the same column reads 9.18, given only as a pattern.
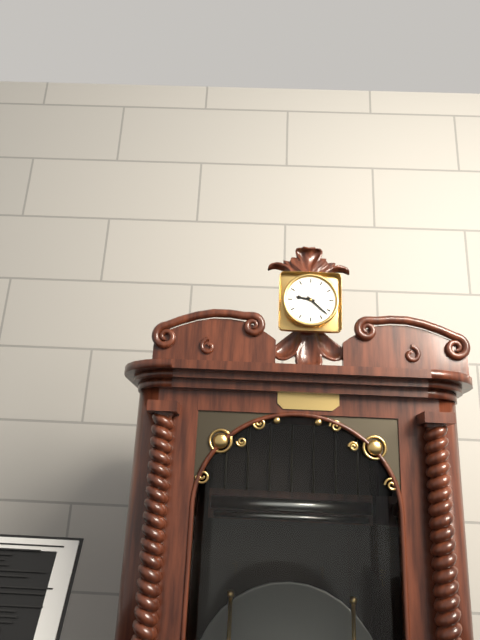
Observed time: 9.22
